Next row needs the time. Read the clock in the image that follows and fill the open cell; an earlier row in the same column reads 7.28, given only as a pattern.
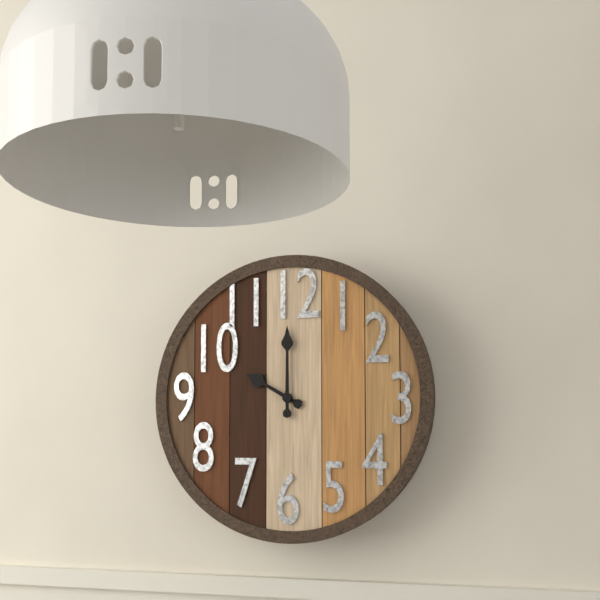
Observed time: 10.00
